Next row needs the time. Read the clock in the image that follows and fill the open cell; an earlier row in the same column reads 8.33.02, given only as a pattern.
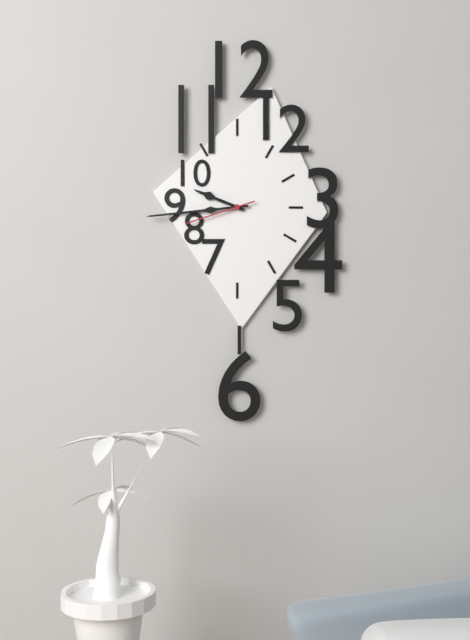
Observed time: 9.44.42
